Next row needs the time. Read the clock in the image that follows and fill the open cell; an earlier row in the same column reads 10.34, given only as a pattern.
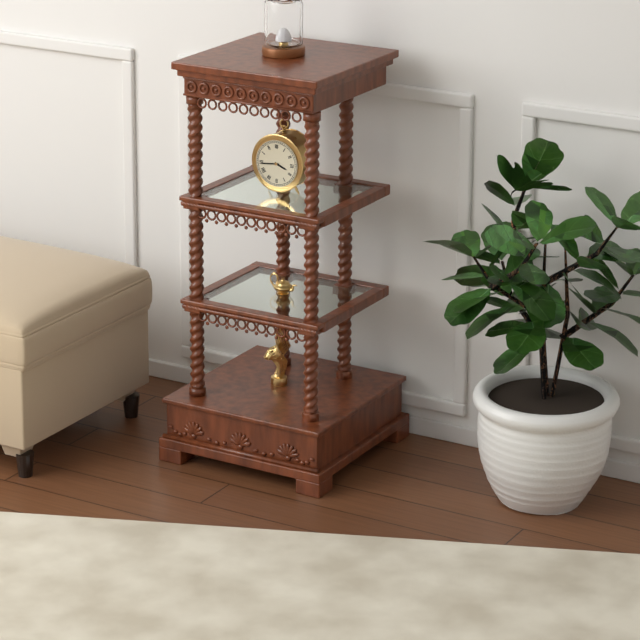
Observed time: 3.44
